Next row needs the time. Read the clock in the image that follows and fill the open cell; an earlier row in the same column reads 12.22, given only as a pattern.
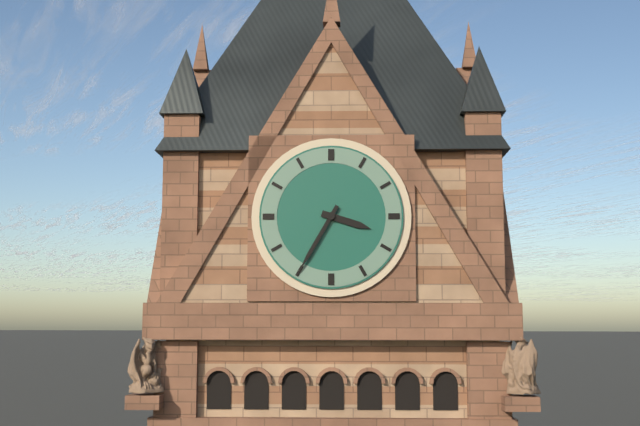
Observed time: 3.35
